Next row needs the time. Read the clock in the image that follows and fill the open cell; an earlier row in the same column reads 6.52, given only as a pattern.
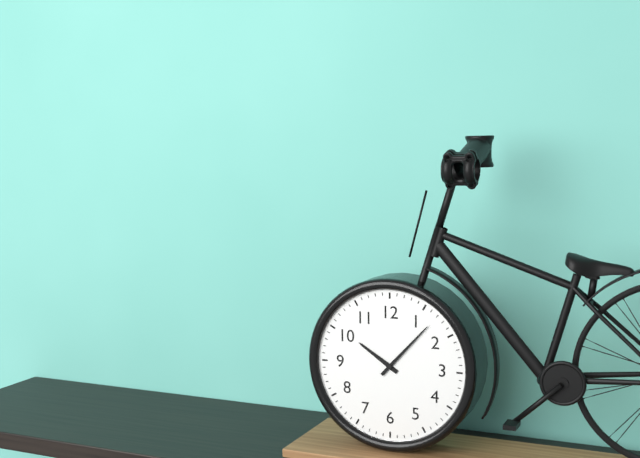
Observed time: 10.07
